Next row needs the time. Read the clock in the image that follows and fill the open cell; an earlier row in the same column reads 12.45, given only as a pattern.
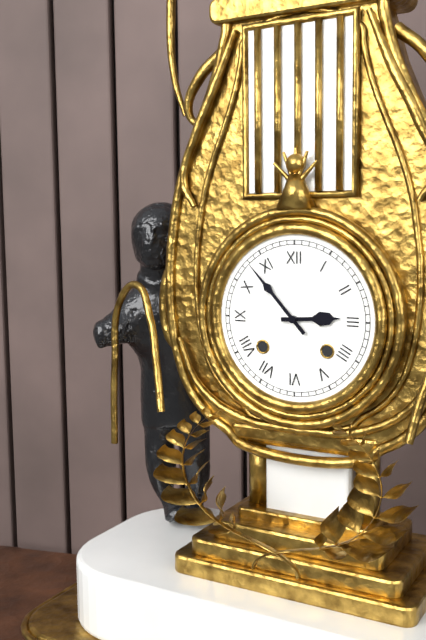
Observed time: 2.53
